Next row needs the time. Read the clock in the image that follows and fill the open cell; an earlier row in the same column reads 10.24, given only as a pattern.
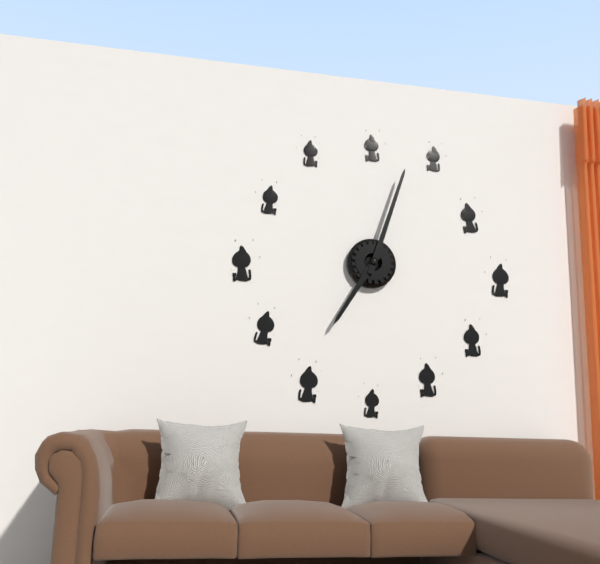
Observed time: 7.03
